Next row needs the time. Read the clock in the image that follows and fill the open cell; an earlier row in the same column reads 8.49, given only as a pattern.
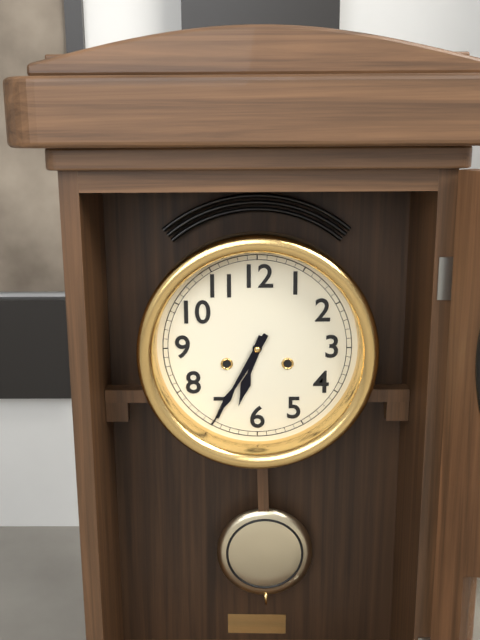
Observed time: 6.35
